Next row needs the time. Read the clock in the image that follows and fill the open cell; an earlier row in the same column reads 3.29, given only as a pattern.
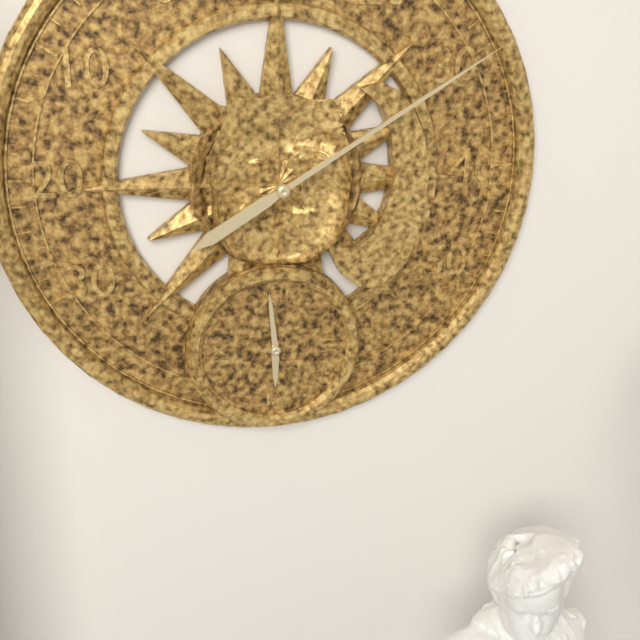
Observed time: 5.59
